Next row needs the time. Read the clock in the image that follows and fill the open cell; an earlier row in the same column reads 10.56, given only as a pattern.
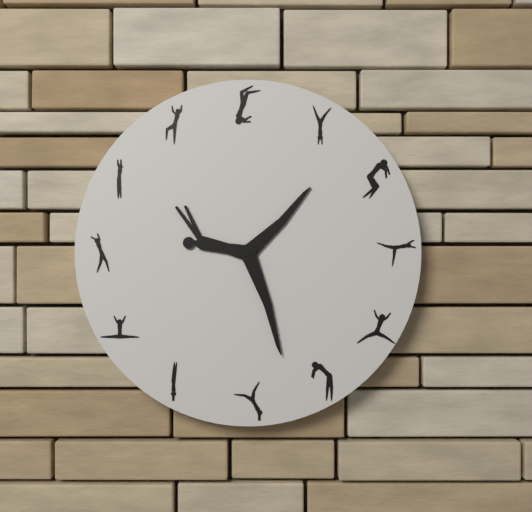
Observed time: 1.27
